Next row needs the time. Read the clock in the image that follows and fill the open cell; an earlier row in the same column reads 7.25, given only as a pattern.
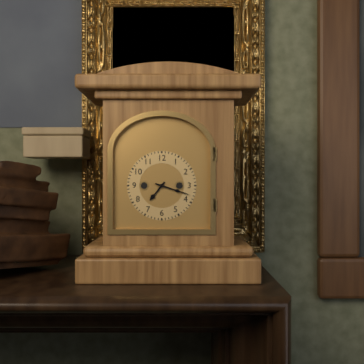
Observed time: 7.18
